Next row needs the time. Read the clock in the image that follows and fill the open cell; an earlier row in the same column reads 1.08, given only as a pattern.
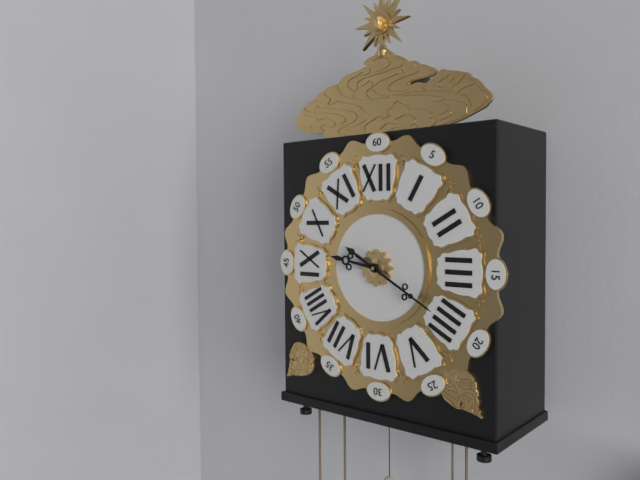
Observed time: 9.20
